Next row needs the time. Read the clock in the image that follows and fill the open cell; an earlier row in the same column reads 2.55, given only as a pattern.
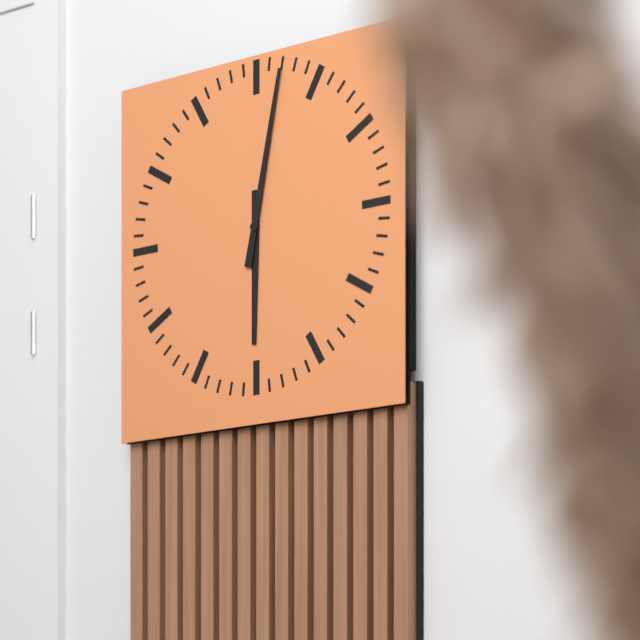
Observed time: 6.02
